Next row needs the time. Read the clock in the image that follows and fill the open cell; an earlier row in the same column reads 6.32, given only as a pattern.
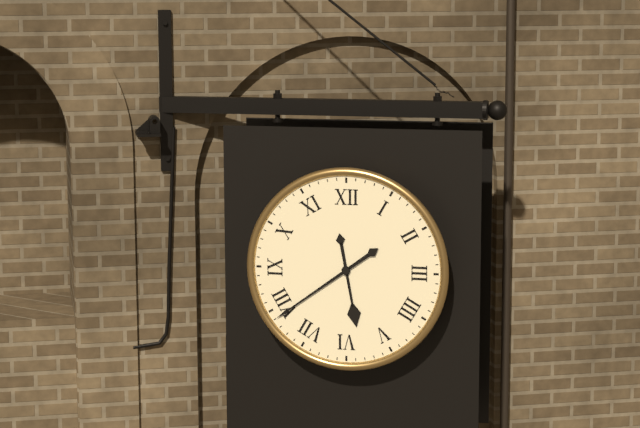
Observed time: 5.39
